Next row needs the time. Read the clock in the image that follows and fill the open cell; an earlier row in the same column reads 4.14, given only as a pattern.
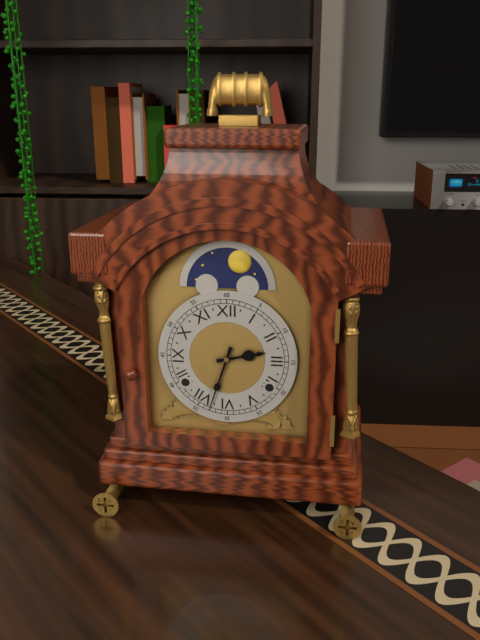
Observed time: 2.33
